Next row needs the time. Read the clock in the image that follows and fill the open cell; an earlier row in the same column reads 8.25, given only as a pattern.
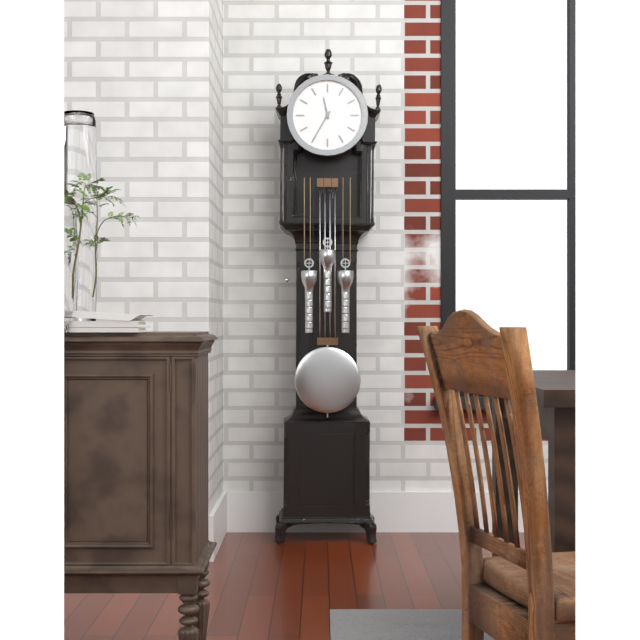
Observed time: 11.35
